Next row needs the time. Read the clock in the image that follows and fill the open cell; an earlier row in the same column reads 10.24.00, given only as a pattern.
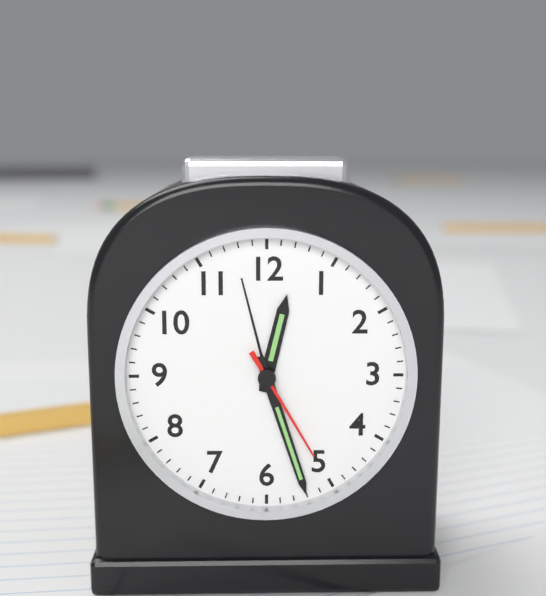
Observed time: 12.27.25
